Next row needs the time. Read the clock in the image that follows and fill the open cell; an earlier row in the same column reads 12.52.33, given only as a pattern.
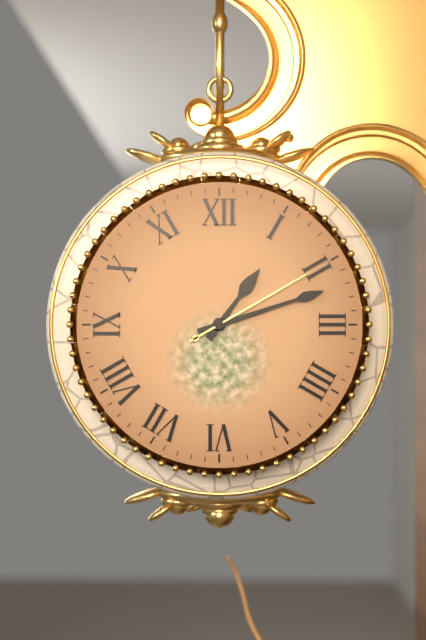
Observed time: 1.12.10
